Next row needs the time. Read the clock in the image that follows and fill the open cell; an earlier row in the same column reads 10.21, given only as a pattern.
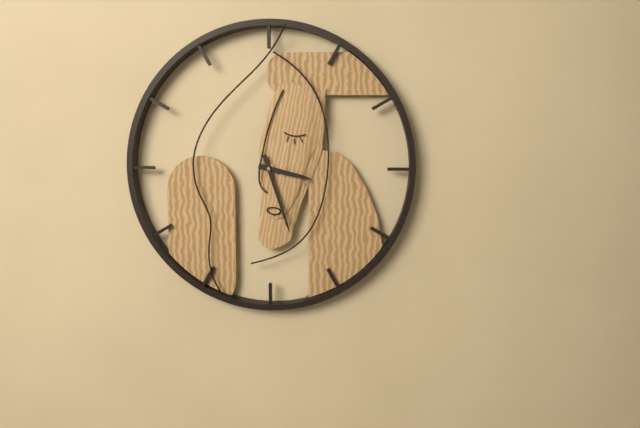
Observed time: 3.27
